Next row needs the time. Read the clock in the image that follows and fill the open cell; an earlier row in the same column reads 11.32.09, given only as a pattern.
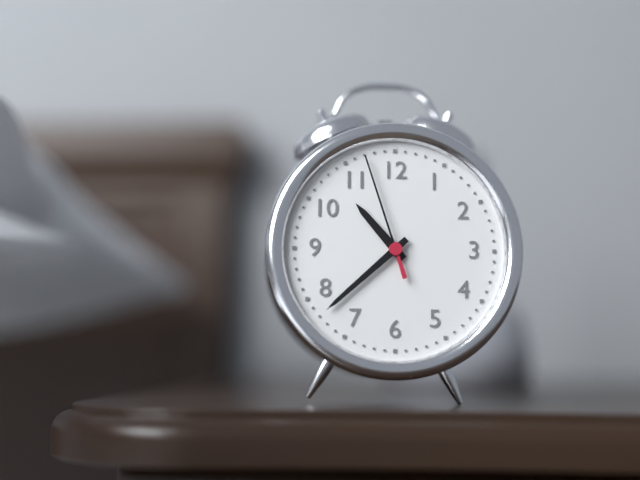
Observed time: 10.38.57
